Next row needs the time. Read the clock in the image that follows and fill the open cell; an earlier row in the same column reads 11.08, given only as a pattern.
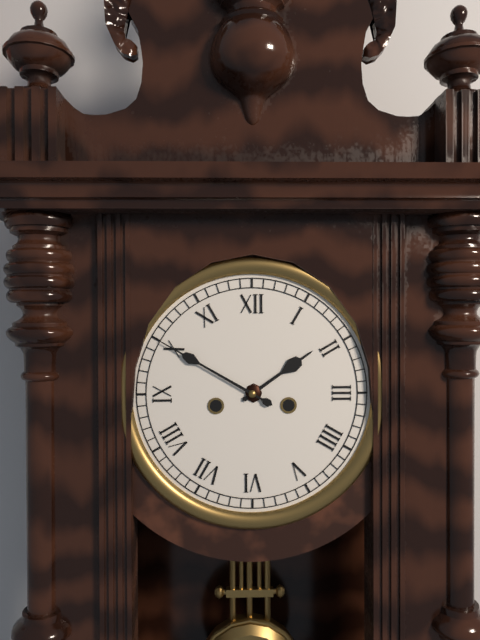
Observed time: 1.50
